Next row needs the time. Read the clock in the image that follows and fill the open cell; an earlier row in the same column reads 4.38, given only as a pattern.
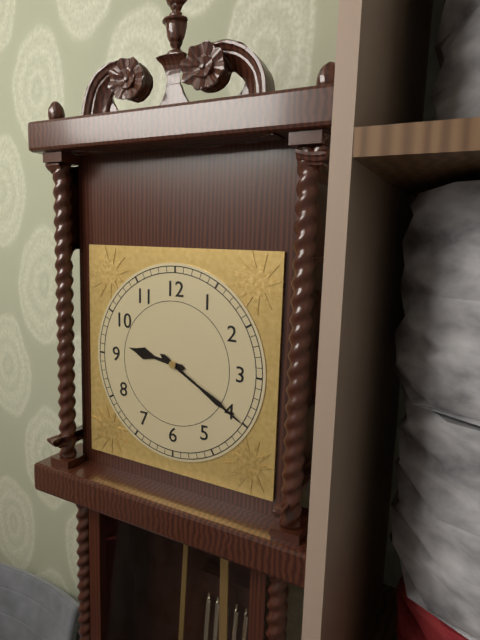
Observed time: 9.20
